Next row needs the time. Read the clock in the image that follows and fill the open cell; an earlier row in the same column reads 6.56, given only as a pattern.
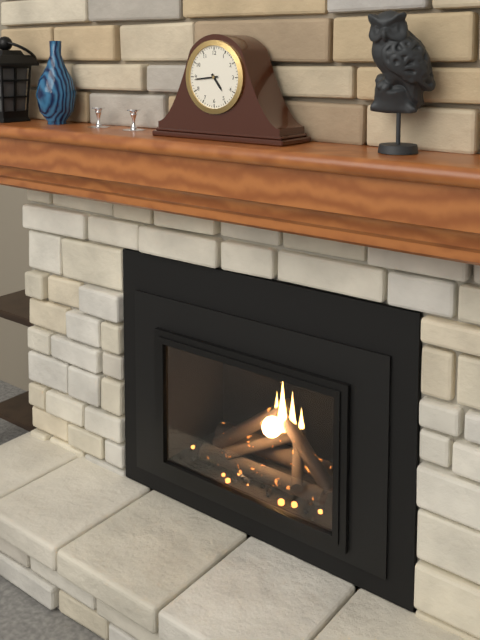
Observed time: 4.44
